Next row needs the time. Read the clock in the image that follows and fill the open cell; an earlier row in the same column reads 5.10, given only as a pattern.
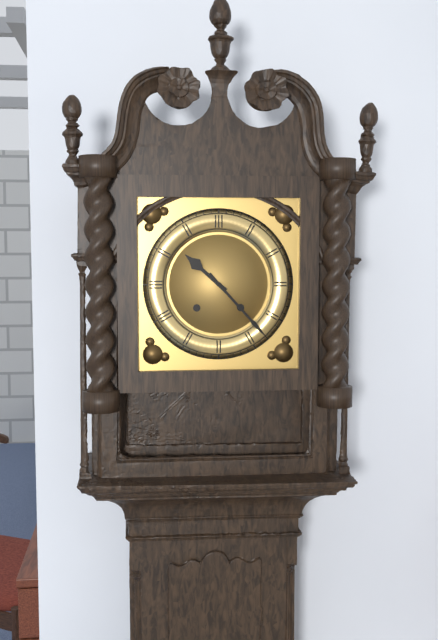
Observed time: 10.23
